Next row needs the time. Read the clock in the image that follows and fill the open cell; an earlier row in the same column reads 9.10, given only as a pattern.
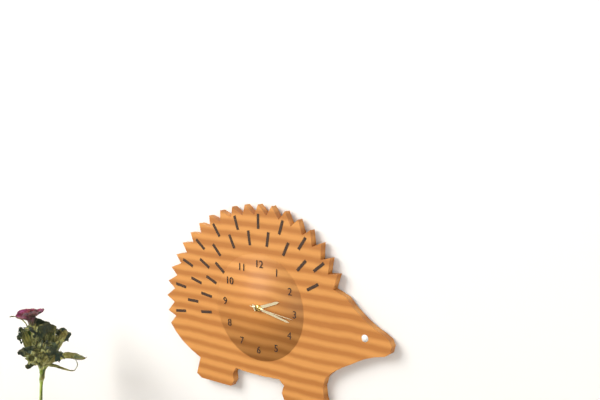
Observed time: 2.17
